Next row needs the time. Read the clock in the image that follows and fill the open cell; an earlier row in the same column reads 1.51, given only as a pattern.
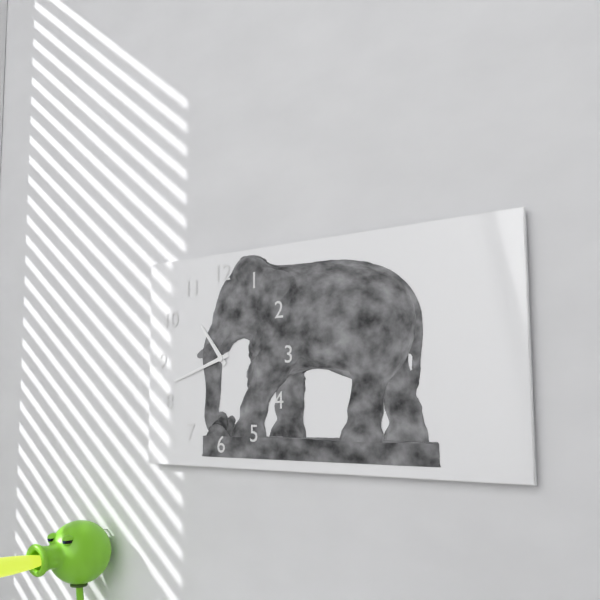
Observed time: 10.42
